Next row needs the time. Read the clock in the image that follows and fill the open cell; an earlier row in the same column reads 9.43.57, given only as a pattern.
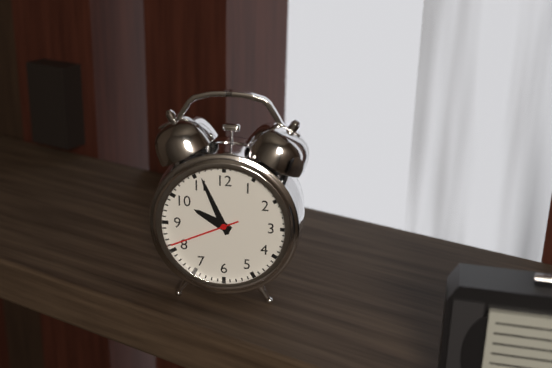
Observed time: 9.56.41
